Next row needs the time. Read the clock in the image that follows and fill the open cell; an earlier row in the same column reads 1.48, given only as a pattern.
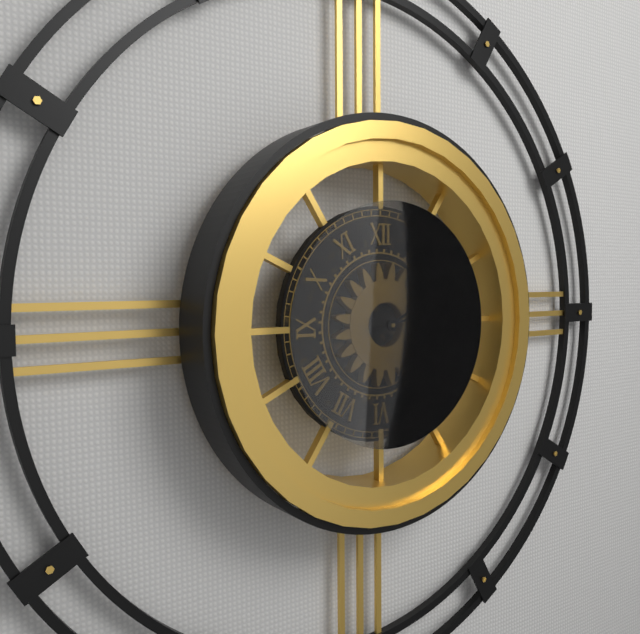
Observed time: 2.13
